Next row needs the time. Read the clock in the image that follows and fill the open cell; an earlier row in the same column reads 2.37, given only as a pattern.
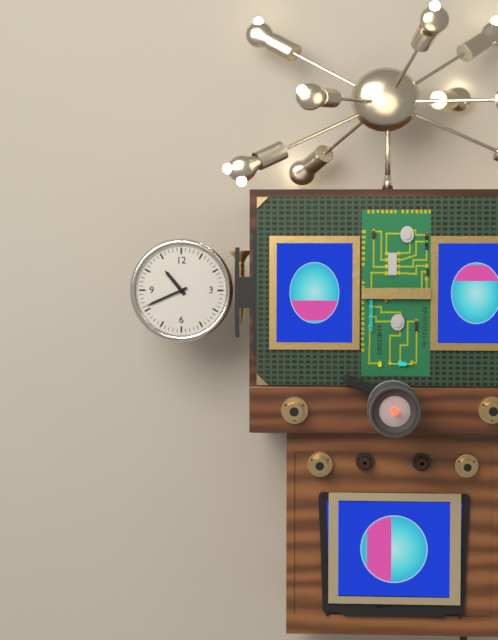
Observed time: 10.41
